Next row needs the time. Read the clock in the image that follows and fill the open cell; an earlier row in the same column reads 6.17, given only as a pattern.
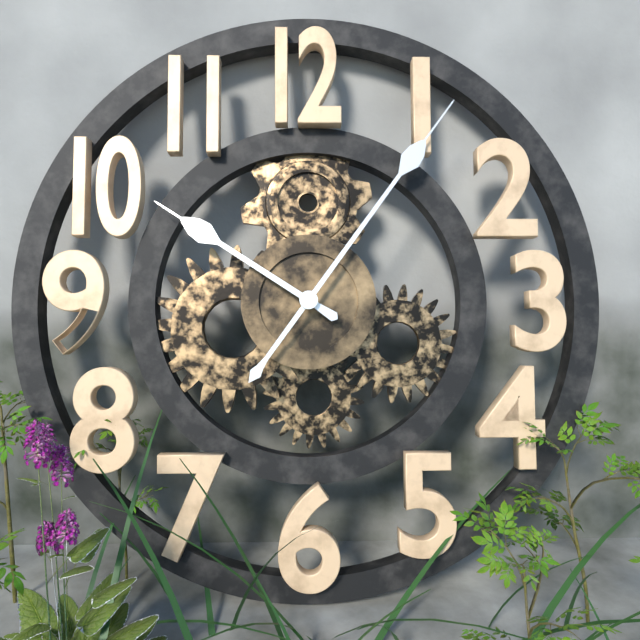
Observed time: 10.06
